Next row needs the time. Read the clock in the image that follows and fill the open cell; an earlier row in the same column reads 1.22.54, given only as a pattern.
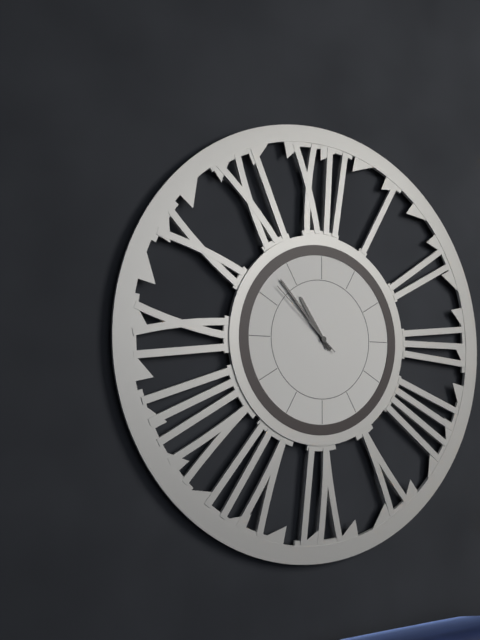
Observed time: 10.53.52
